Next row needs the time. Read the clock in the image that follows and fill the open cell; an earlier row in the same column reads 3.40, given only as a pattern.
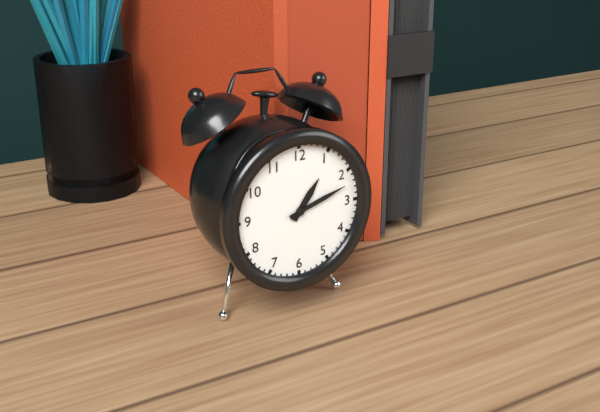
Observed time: 1.12
